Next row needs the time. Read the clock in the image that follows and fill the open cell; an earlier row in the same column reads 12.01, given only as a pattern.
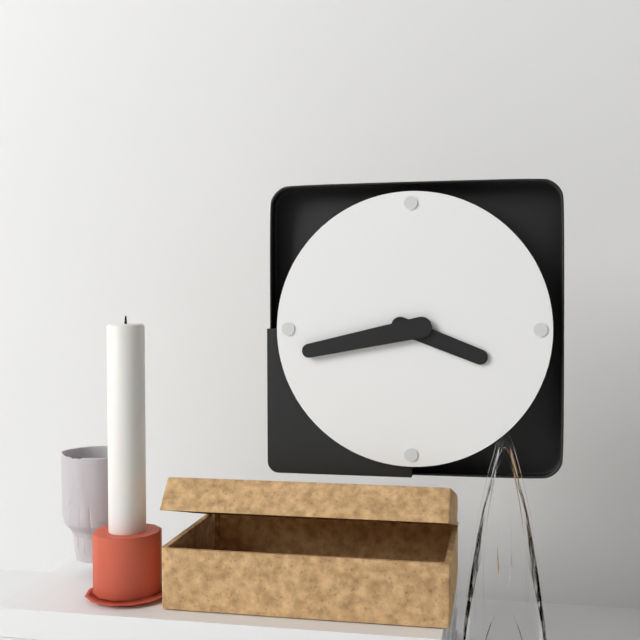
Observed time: 3.43
